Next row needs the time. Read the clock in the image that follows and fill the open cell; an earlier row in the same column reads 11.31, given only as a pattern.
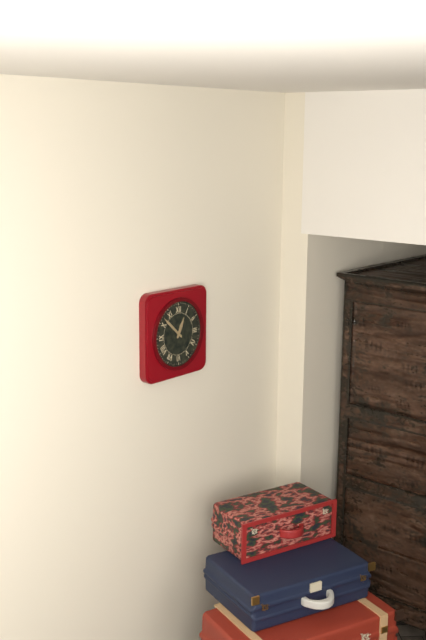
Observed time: 12.52
